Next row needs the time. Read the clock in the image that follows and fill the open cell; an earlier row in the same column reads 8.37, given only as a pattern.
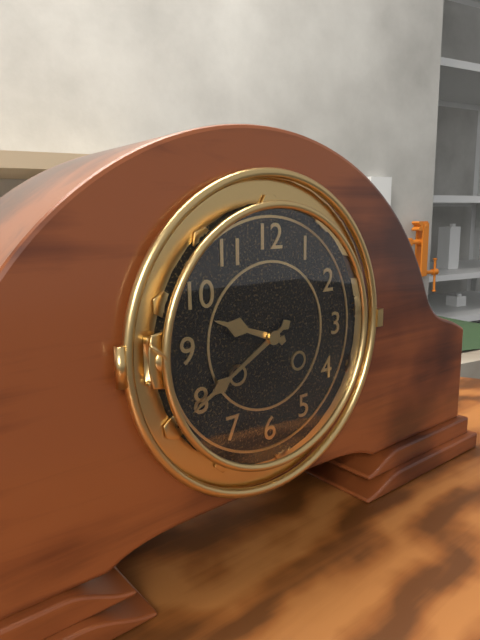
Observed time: 9.40
